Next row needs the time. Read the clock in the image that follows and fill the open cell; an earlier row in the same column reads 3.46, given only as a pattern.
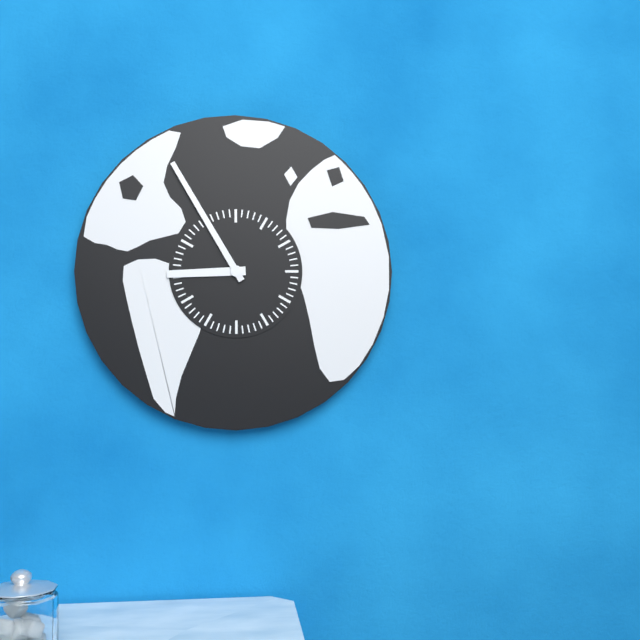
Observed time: 8.55
